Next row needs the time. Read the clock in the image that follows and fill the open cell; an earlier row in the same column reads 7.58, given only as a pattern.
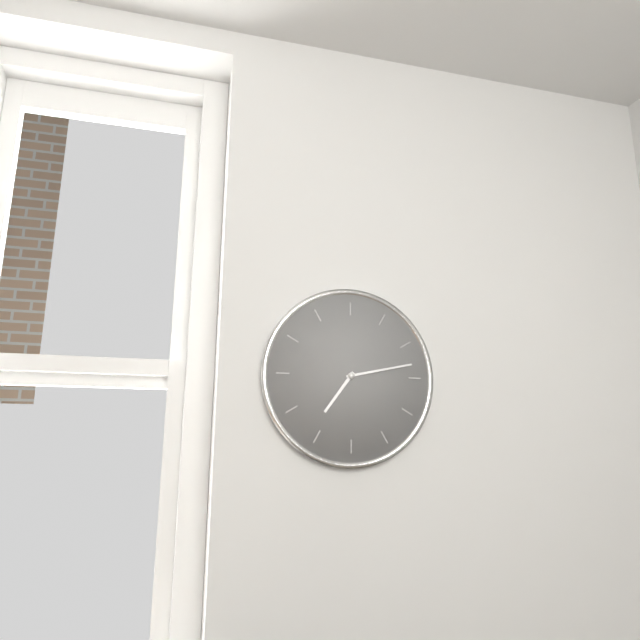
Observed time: 7.13
